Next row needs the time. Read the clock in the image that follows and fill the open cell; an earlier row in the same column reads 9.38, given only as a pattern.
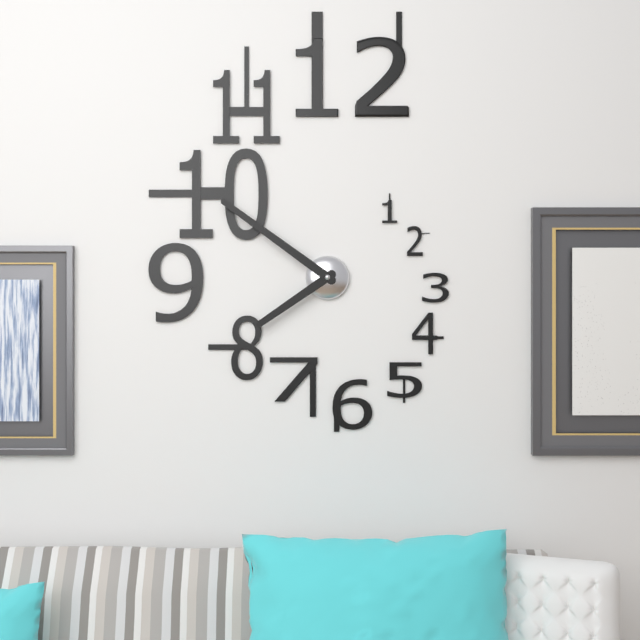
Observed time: 7.51
